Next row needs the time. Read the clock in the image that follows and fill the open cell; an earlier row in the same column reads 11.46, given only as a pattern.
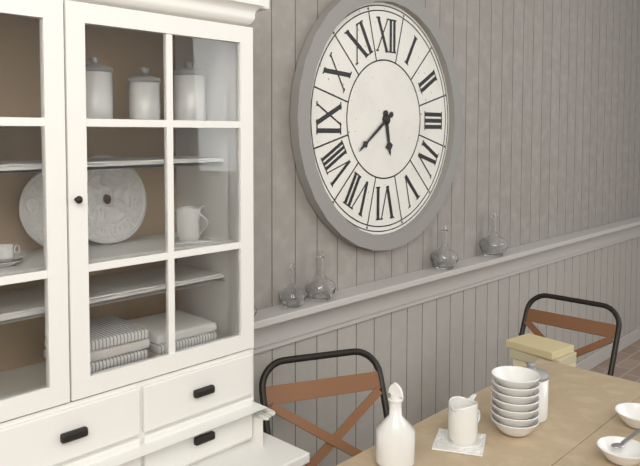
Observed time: 5.39
